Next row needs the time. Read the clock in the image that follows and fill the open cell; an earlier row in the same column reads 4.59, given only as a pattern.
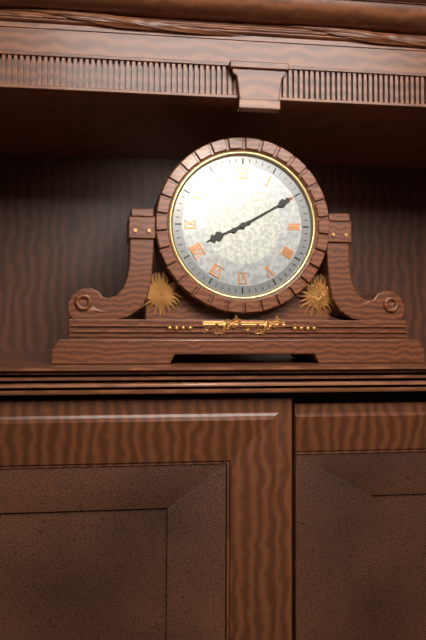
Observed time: 8.10
